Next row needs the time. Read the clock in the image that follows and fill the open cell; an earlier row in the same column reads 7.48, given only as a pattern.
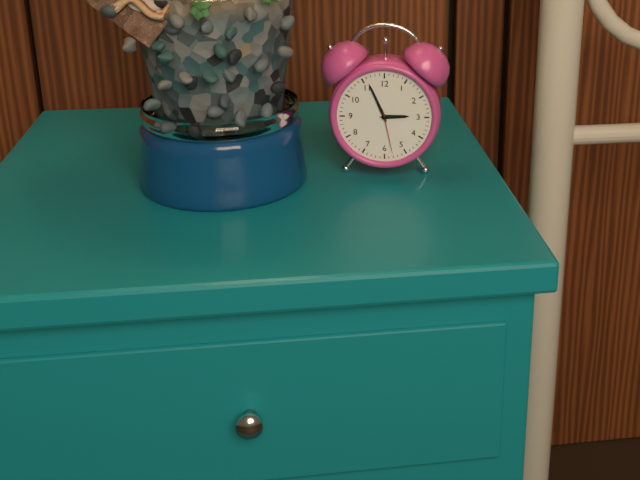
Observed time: 2.56
